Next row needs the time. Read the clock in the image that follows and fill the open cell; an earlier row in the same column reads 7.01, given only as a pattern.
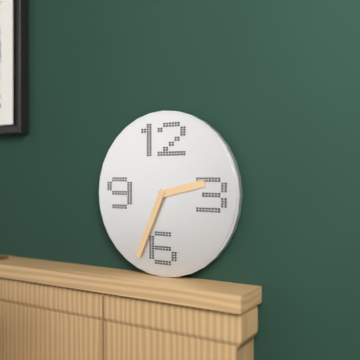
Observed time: 2.34
